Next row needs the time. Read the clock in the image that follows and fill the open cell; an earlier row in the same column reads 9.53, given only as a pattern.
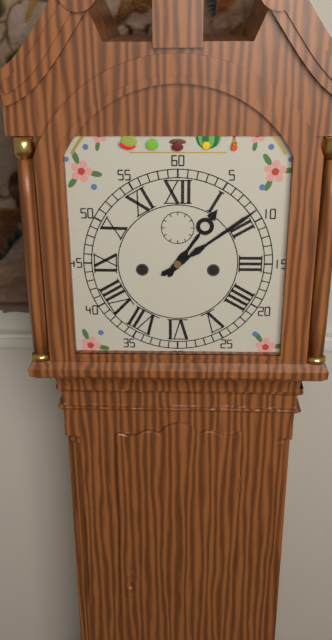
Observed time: 1.09
